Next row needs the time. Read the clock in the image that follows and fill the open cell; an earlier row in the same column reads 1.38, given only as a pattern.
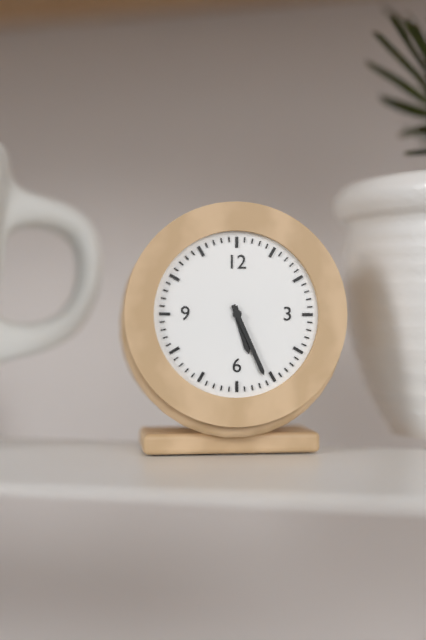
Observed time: 5.26
